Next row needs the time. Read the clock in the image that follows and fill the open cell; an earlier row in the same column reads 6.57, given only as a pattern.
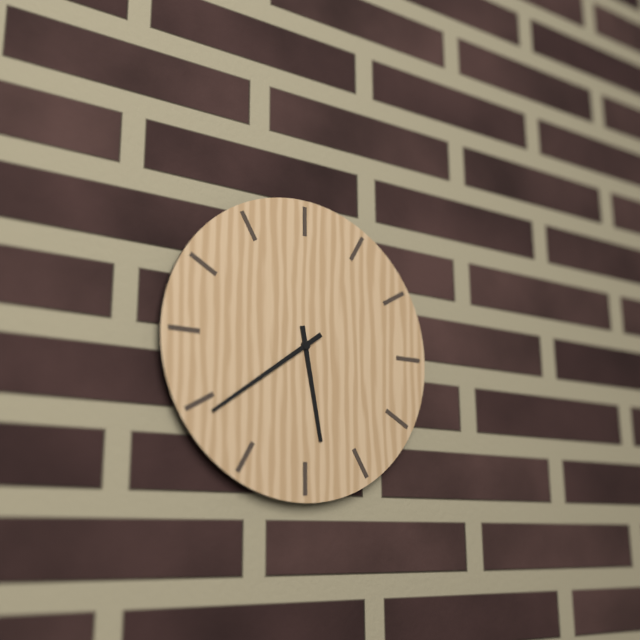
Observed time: 5.39
